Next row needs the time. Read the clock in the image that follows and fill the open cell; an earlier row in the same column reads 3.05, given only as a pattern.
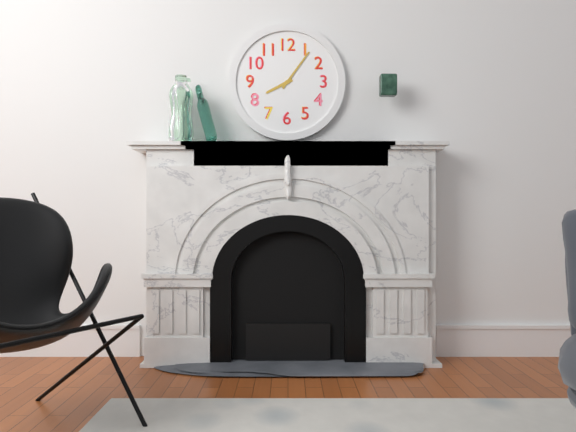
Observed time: 8.06
